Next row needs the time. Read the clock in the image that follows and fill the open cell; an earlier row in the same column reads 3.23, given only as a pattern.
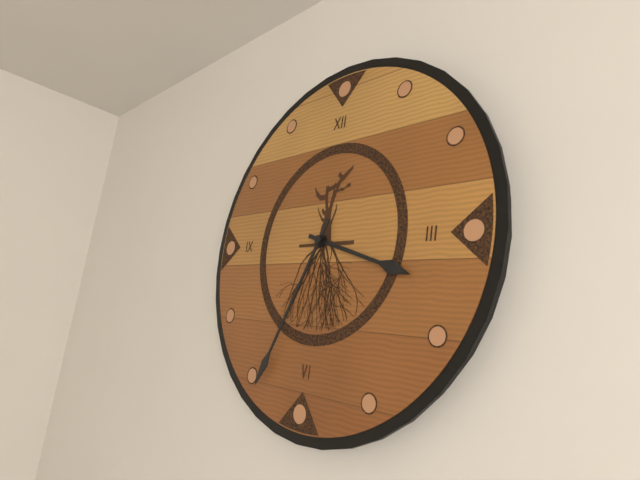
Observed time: 3.34
